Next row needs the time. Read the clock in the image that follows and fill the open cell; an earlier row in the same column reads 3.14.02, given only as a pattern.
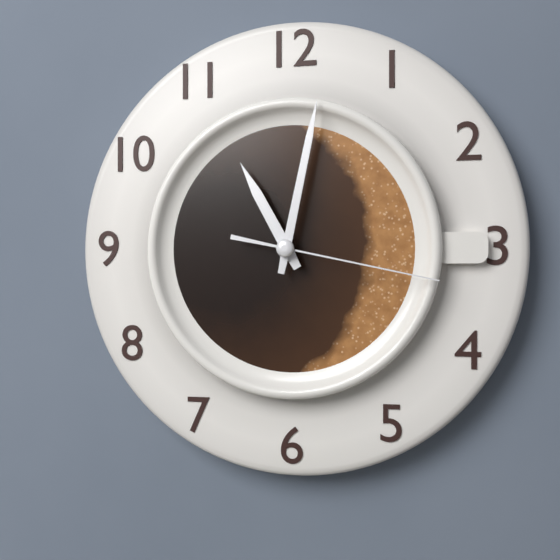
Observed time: 11.02.17
